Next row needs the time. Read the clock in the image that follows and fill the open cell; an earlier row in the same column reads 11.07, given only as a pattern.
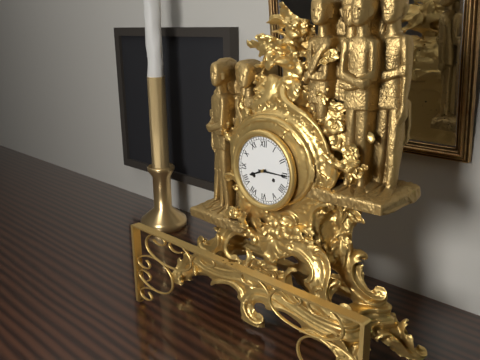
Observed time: 8.15
